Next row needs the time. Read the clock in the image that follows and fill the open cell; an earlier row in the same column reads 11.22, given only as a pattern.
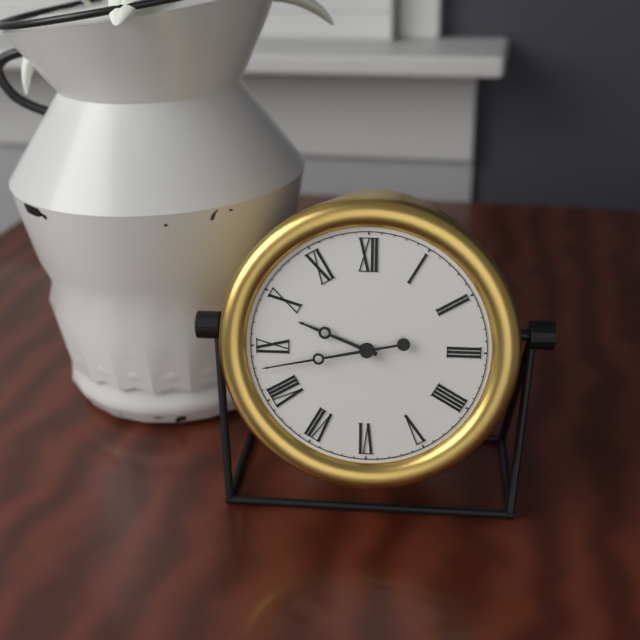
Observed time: 9.43
